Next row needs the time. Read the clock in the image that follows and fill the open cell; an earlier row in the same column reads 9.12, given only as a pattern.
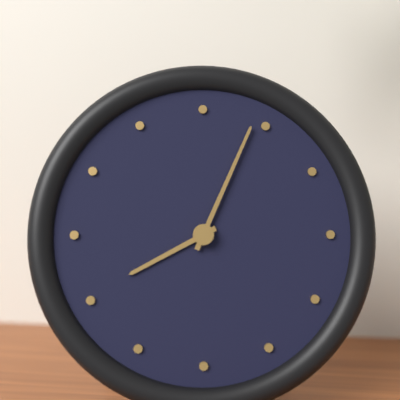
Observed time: 8.04
